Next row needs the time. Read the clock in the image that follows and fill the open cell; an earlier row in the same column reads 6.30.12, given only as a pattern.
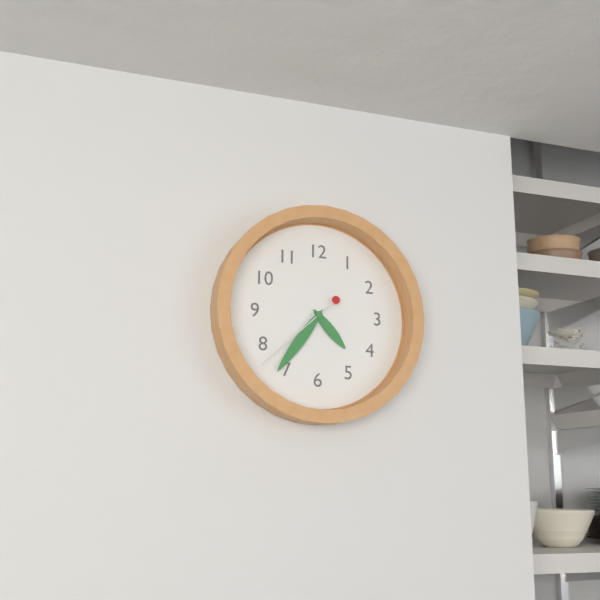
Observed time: 4.36.38
